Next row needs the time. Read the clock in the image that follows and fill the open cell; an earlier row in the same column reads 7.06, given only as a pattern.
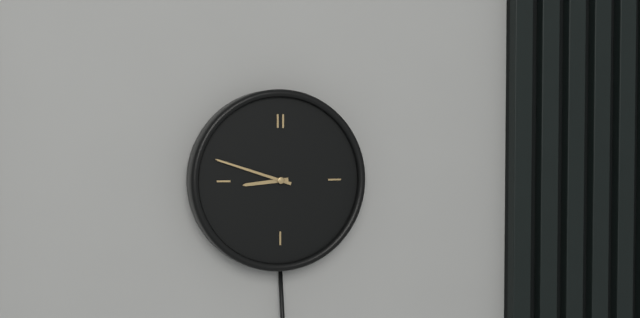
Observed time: 8.48
